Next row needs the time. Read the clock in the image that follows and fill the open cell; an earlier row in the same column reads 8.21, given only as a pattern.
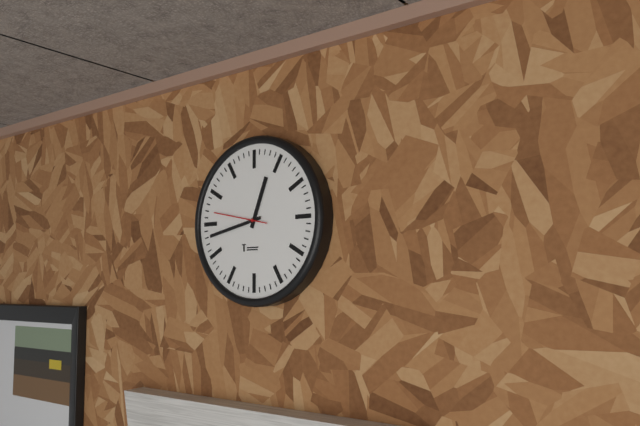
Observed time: 12.43
